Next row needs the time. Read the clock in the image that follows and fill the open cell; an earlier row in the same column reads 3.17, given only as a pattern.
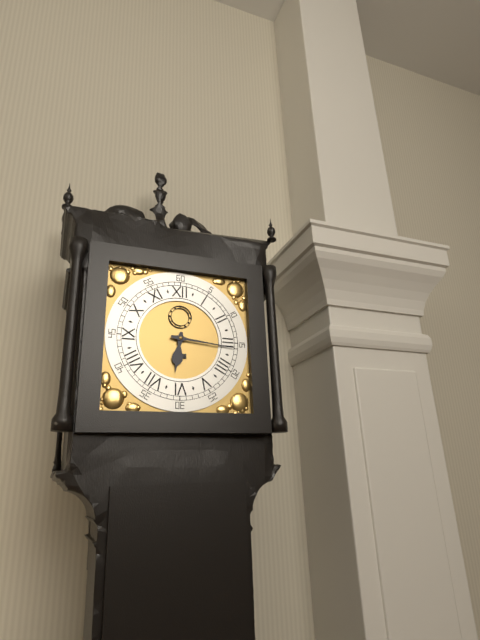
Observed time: 6.16
